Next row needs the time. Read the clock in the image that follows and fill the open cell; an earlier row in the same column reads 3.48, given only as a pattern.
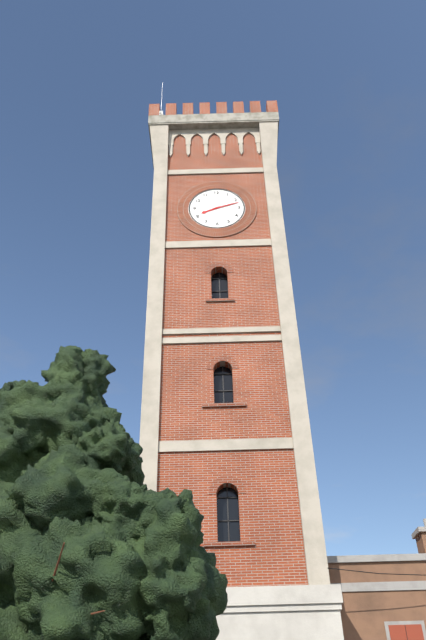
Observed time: 8.12
